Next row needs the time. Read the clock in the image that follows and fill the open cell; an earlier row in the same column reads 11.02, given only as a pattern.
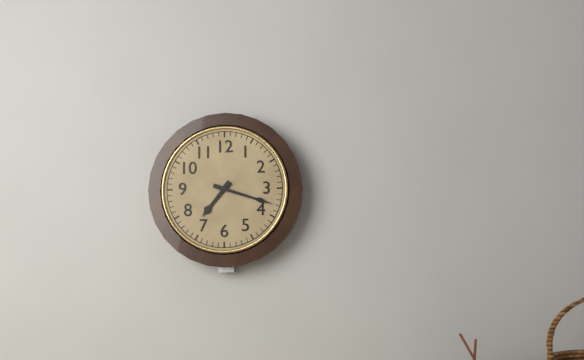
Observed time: 7.18
